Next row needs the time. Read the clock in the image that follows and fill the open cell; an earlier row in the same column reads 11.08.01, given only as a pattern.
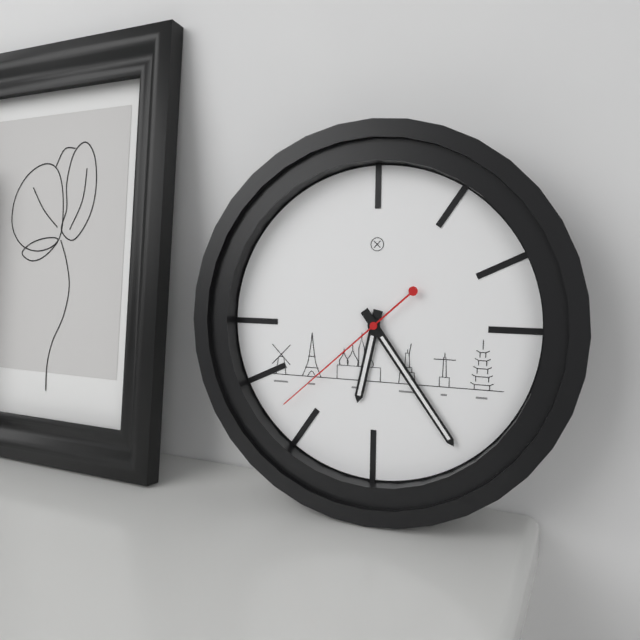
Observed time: 6.24.38
